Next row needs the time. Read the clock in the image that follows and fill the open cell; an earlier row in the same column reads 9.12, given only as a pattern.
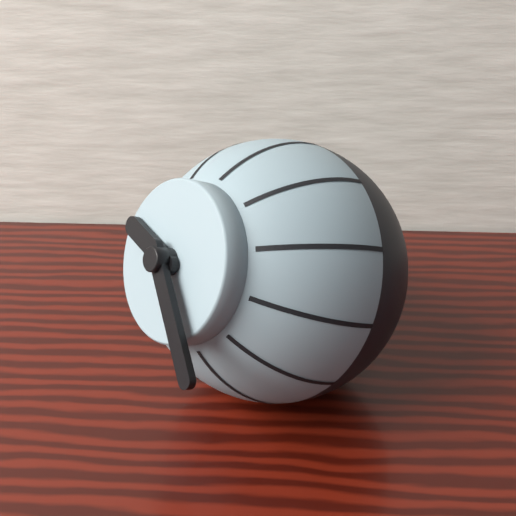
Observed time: 9.22
